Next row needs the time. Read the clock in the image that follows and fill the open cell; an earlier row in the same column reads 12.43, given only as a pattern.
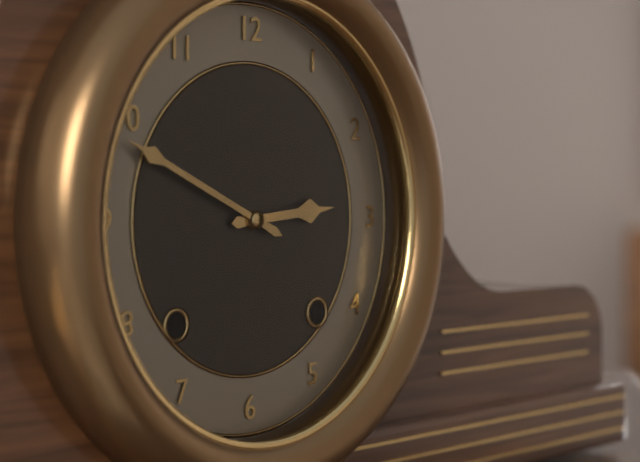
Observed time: 2.49
